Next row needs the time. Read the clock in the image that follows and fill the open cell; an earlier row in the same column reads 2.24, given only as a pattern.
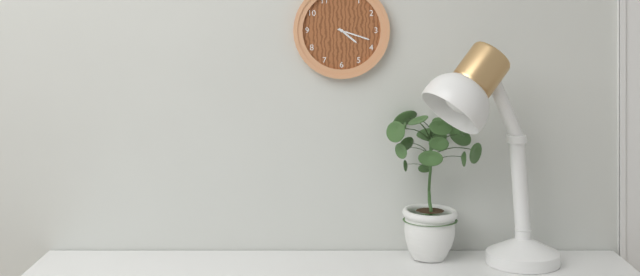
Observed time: 4.18
